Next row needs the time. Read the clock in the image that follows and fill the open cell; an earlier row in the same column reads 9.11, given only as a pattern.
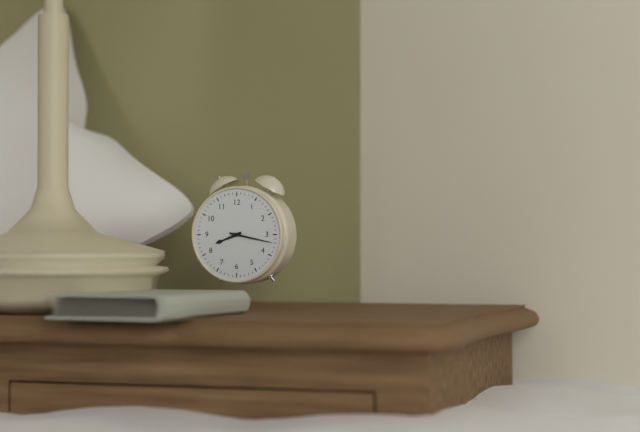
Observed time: 8.17
